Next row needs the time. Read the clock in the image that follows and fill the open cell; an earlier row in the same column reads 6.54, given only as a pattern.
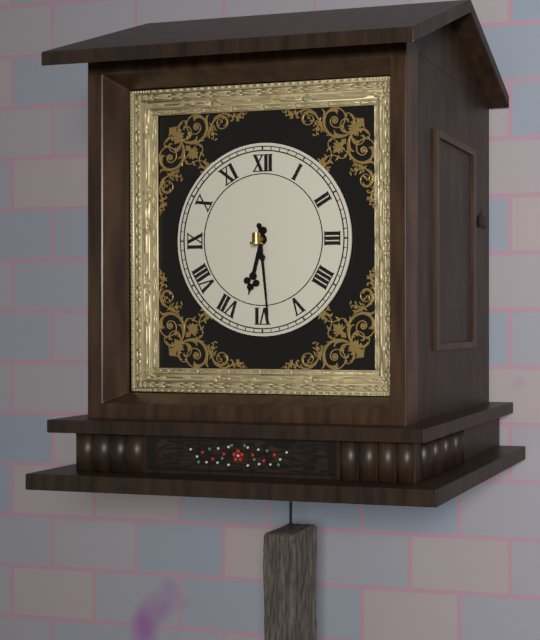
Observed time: 6.29
